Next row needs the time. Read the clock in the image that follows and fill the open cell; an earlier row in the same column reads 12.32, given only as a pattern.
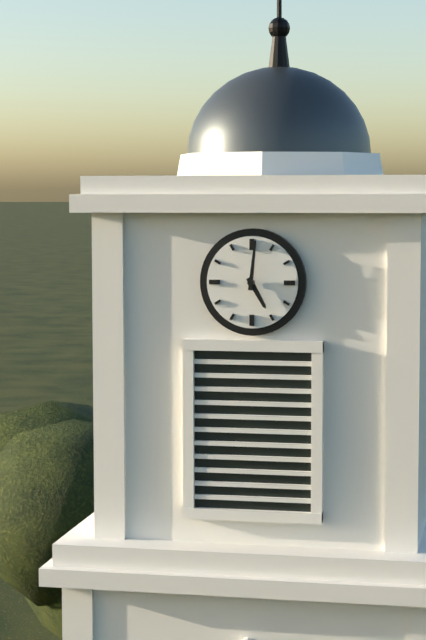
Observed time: 5.01
